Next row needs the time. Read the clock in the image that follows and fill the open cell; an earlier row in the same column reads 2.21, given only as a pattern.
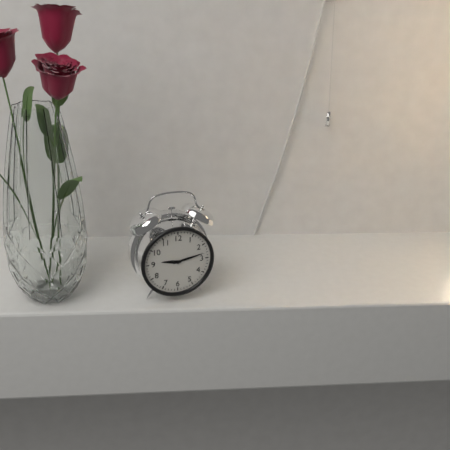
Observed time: 9.13
